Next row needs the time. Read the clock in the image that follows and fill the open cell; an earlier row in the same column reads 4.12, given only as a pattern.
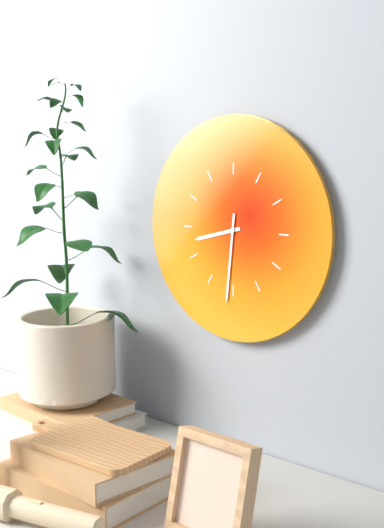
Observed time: 8.31
